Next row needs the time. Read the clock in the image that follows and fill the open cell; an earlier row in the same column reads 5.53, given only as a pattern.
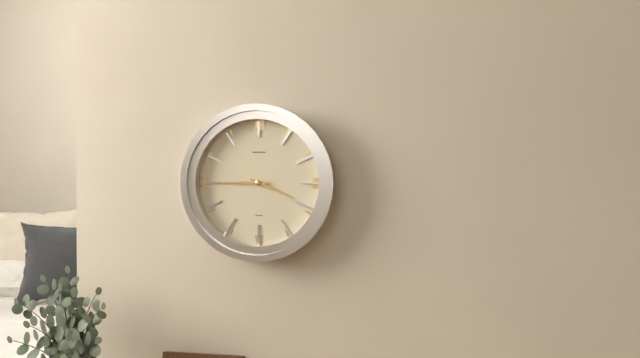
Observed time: 3.45
